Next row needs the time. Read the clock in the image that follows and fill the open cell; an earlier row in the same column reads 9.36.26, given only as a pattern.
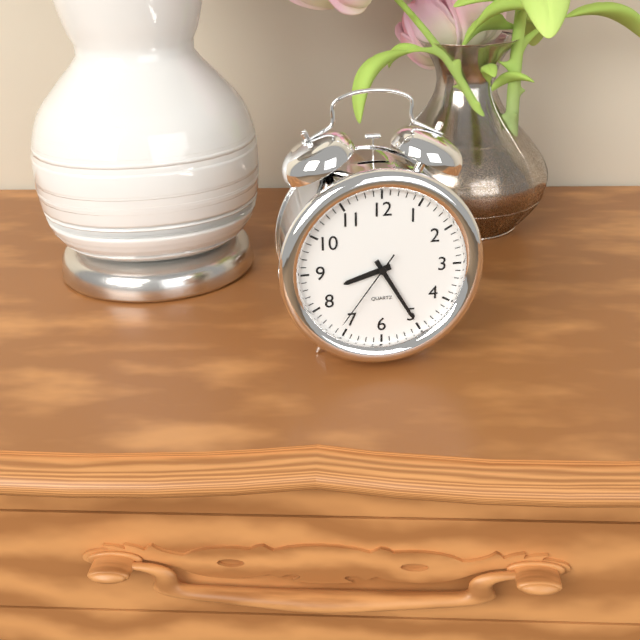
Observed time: 8.25.36
